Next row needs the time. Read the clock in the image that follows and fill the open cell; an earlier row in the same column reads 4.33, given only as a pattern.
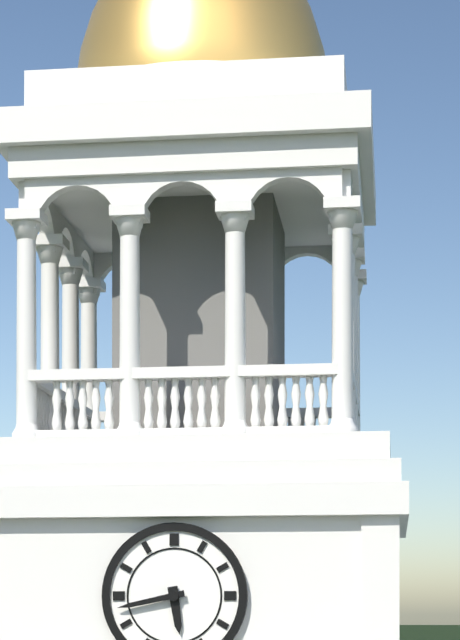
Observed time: 5.43
